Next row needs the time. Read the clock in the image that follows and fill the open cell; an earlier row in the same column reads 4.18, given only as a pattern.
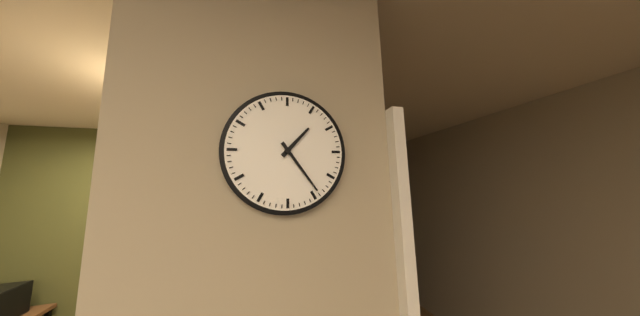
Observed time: 1.24
